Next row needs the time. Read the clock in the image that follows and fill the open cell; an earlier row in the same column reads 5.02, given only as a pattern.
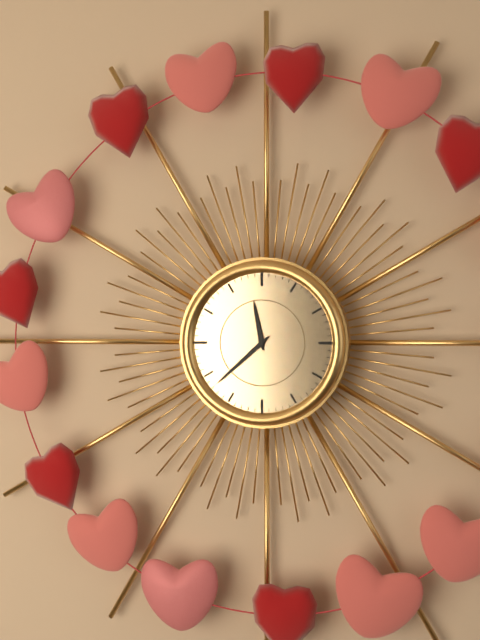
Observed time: 11.38
